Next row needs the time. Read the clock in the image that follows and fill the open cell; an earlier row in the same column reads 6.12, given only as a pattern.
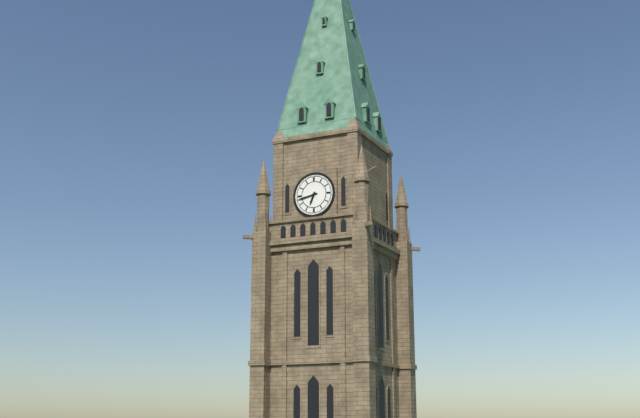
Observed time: 6.43
